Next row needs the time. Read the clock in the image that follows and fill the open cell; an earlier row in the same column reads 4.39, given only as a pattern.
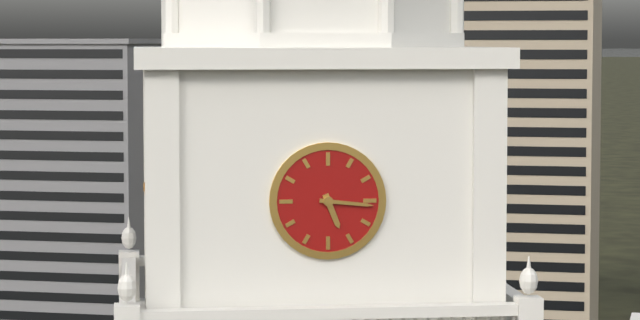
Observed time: 5.16
